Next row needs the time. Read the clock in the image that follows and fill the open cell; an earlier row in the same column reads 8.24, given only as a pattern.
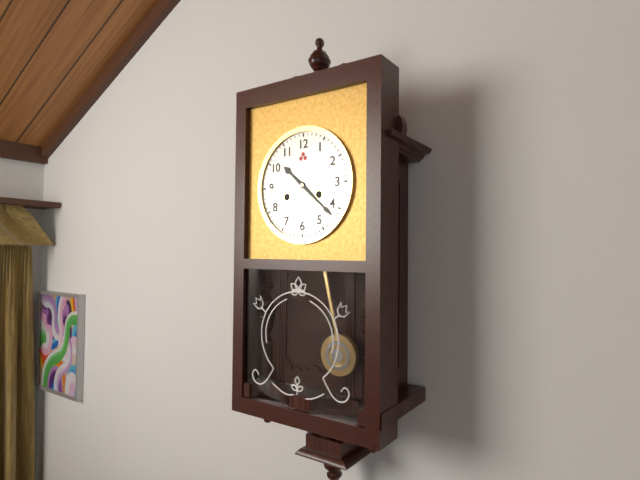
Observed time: 10.22
